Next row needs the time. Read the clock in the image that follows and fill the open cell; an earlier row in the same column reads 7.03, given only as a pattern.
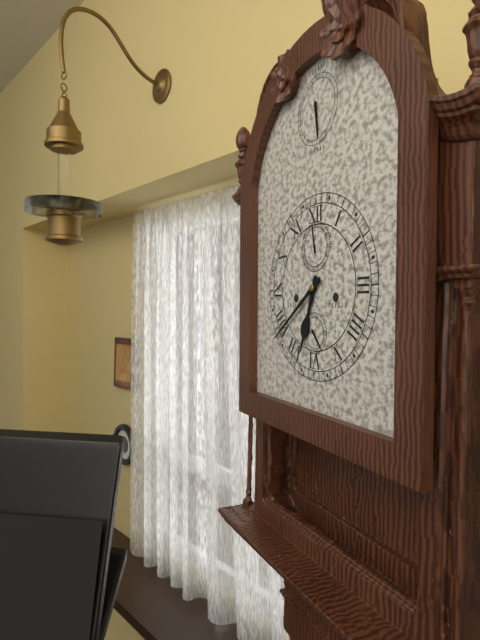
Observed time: 6.39
